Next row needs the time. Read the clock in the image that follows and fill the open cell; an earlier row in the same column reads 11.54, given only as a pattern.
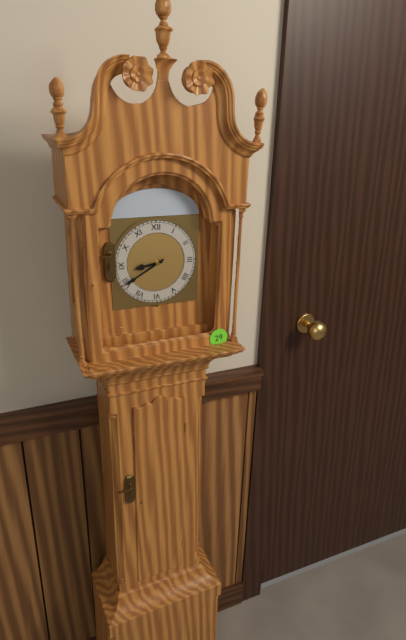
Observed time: 8.40
